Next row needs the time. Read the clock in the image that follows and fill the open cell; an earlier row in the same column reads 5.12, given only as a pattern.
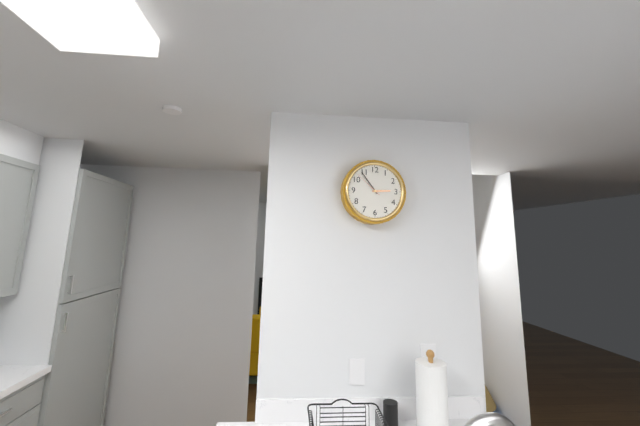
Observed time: 2.54
